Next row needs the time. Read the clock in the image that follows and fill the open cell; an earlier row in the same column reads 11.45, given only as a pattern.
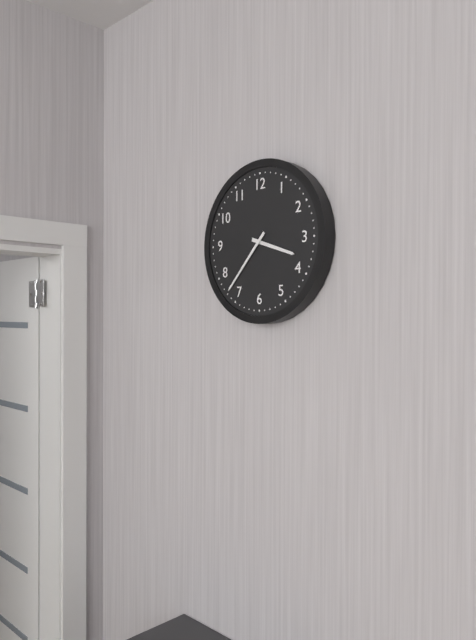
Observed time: 3.37
